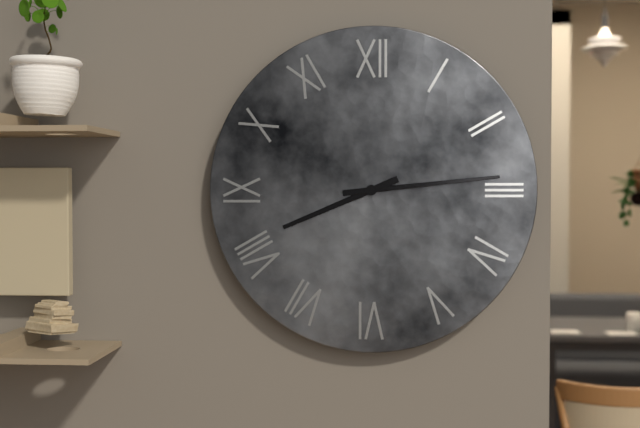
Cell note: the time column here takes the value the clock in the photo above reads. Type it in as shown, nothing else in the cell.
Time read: 8:14
